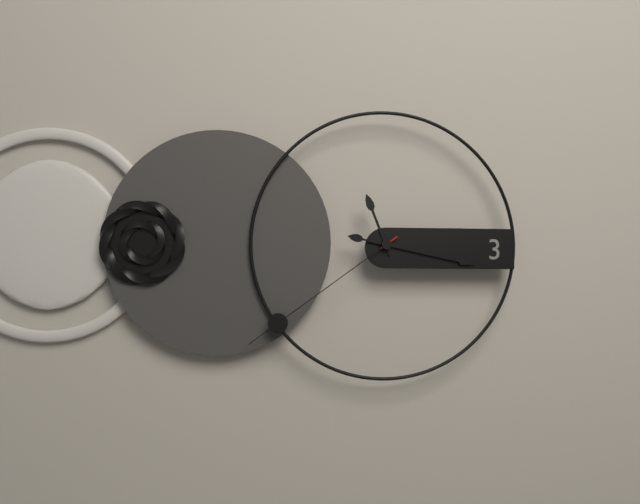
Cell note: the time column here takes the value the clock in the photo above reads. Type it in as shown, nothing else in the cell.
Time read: 11:17:39
